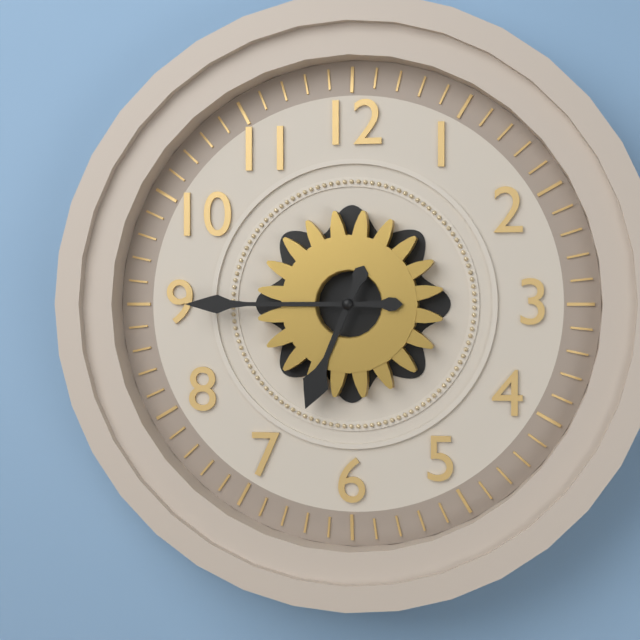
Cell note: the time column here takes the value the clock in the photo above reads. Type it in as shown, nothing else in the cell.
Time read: 6:45
